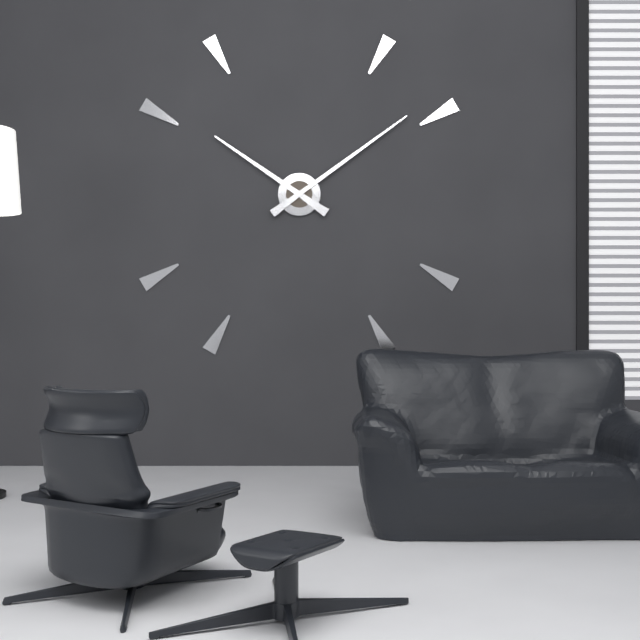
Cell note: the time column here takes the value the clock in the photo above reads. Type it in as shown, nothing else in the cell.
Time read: 10:09
